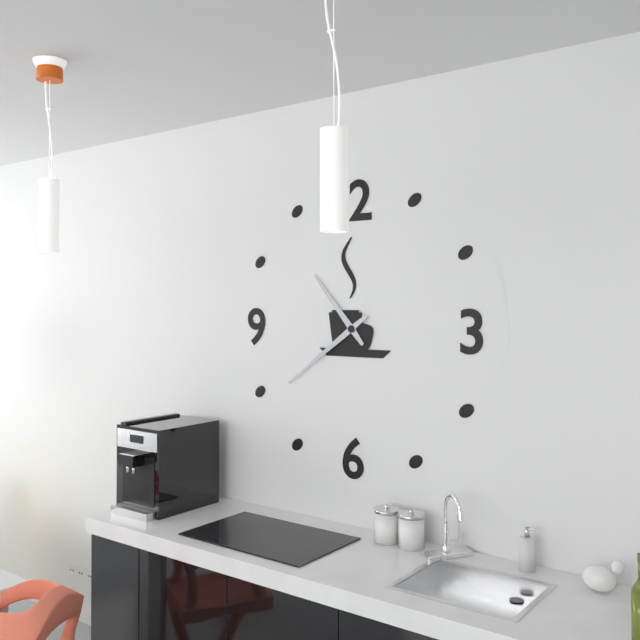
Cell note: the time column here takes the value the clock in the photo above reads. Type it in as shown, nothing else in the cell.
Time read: 10:39
